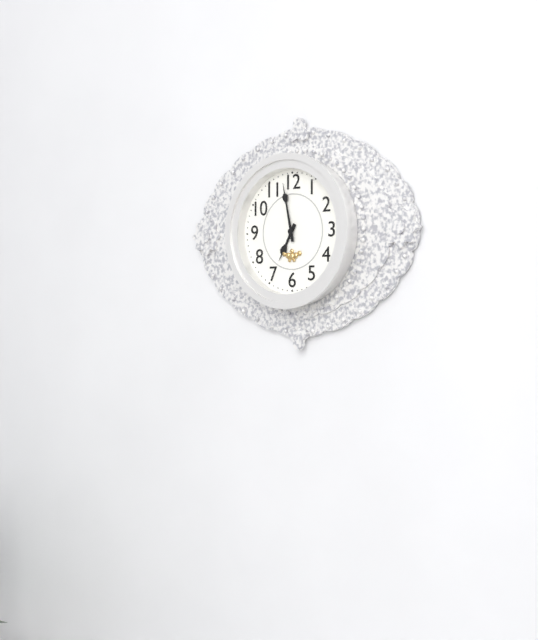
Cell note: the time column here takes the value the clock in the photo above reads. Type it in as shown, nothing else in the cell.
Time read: 6:58
